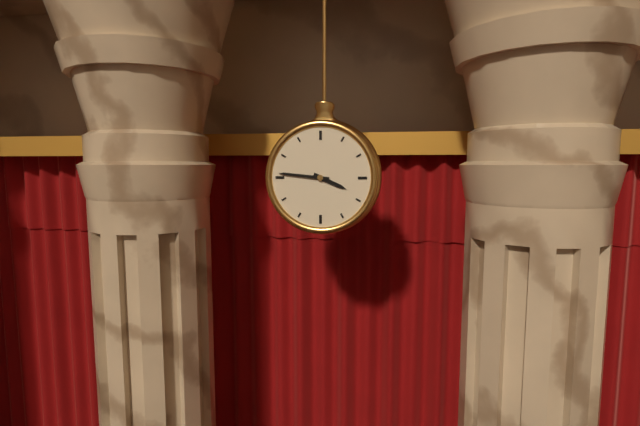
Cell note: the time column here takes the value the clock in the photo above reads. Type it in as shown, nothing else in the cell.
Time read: 3:46
